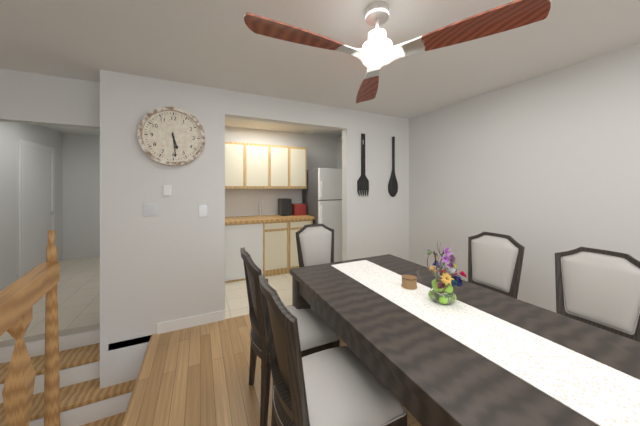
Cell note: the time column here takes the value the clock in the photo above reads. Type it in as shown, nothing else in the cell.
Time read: 5:29
